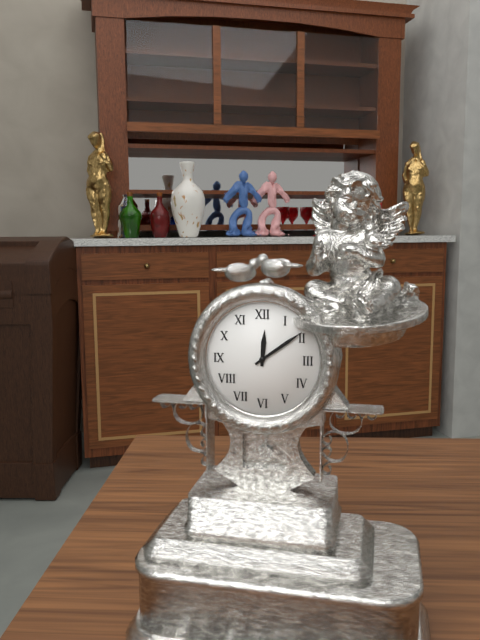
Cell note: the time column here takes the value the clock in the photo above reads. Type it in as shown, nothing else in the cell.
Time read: 12:09
